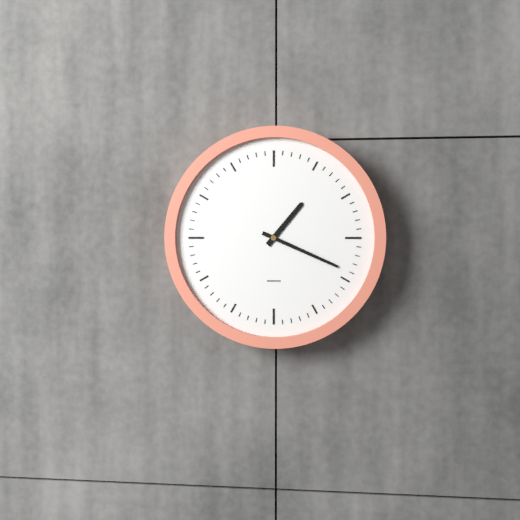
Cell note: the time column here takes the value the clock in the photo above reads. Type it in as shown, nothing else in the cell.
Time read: 1:19
